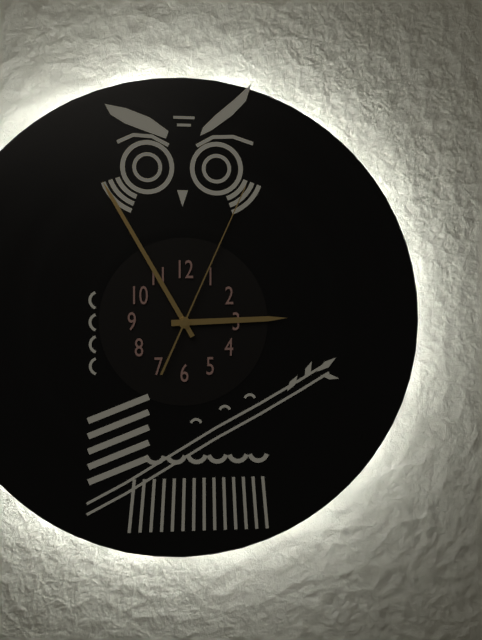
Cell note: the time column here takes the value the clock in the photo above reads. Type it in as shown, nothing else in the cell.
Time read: 2:55:04
